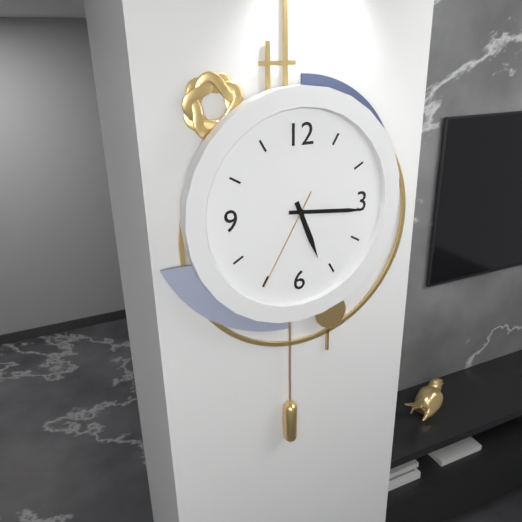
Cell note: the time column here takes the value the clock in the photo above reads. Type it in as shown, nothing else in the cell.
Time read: 5:16:35
